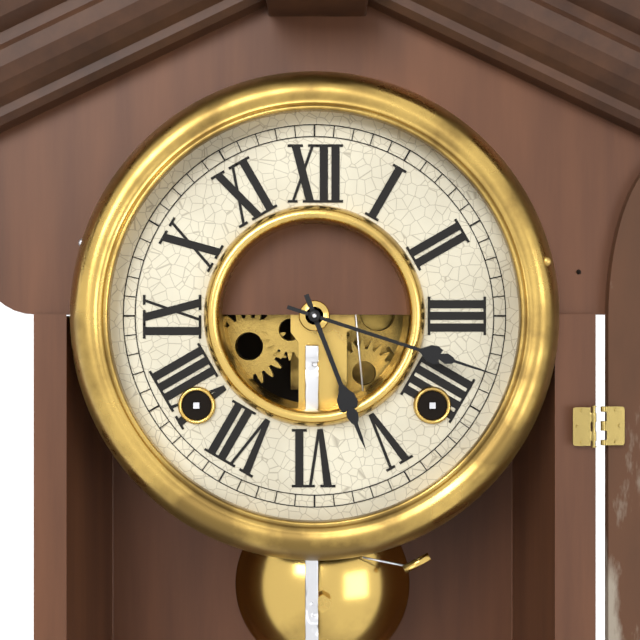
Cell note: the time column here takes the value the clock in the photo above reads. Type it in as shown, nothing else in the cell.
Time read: 5:18
